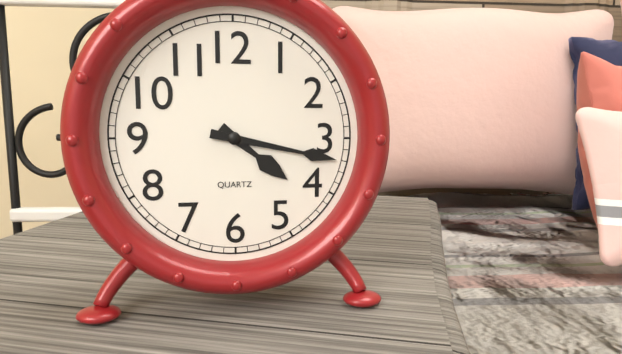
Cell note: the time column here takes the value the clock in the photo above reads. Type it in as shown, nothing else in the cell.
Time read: 4:17
